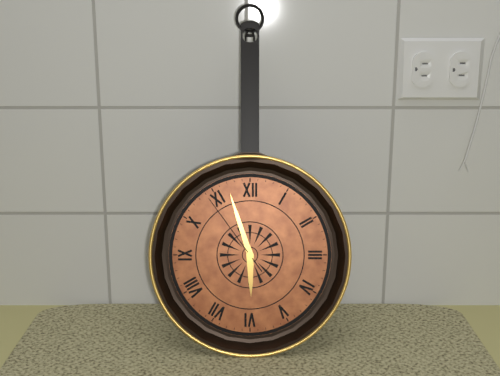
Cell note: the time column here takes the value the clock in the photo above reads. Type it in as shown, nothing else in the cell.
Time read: 5:57:54
